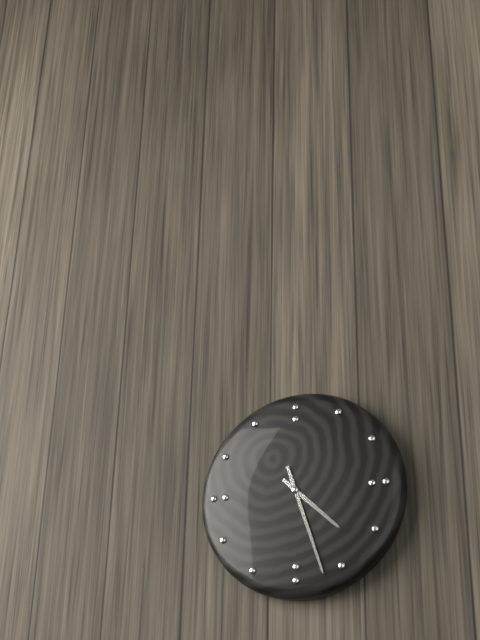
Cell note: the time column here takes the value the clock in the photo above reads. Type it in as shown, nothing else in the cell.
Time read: 4:27
